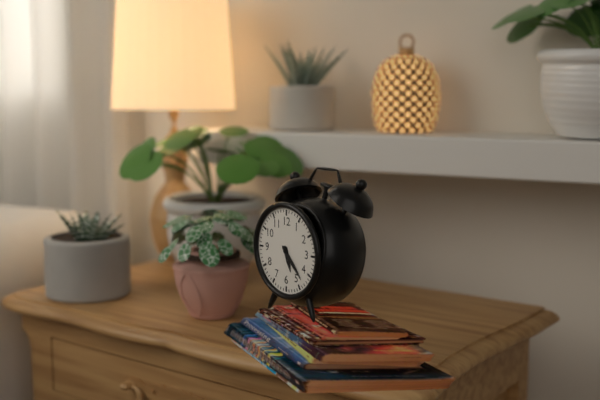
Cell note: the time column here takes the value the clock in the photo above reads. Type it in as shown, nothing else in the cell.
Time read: 5:23
